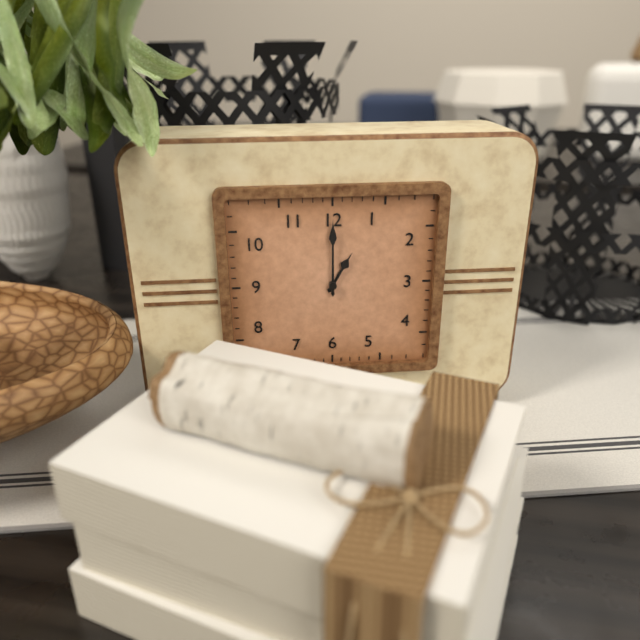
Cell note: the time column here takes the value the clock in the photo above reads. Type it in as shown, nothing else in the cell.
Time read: 1:00
